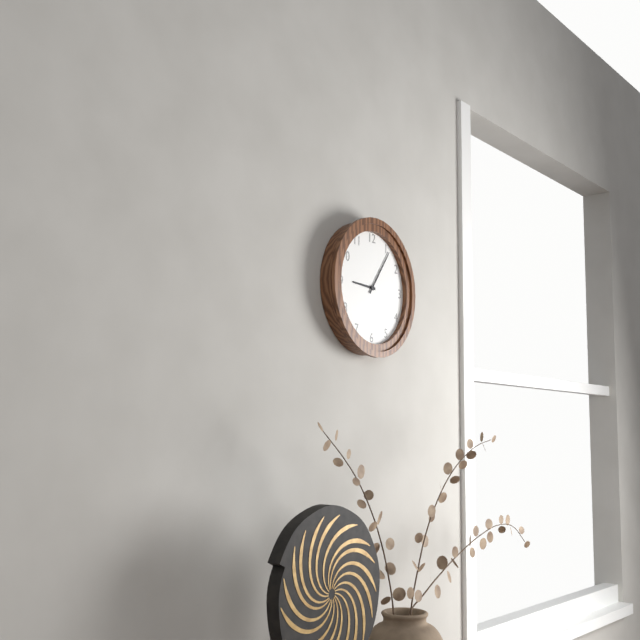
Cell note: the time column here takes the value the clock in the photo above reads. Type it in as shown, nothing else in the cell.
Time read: 9:06
